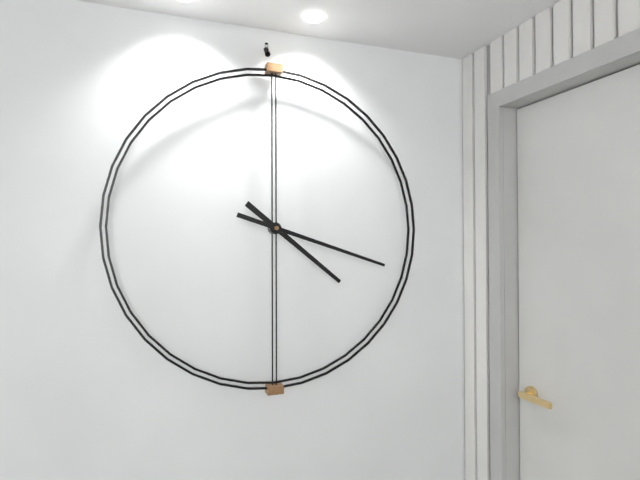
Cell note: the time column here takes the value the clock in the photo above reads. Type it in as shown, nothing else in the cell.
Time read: 4:18
